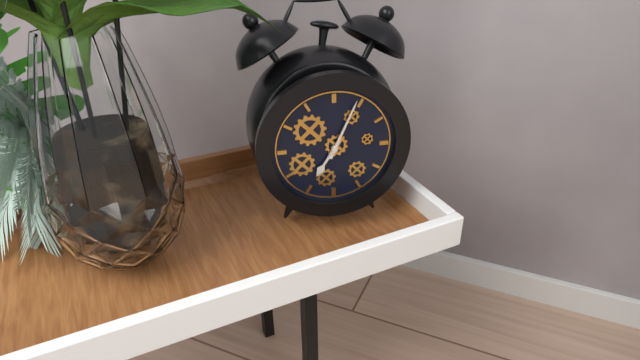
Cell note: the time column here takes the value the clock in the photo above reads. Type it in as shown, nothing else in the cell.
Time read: 7:04
